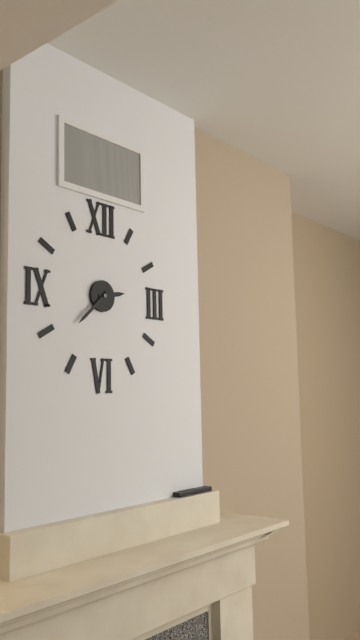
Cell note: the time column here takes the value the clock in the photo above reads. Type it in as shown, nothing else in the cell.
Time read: 2:38
